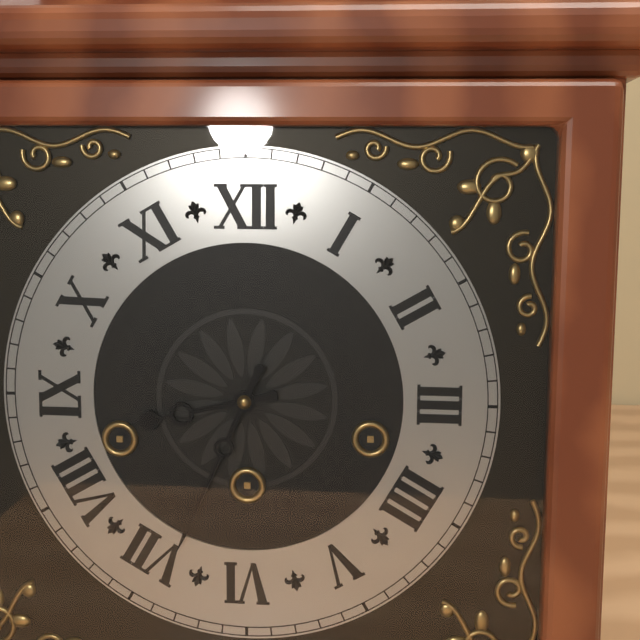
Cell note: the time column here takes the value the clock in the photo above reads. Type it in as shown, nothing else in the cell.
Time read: 8:34
